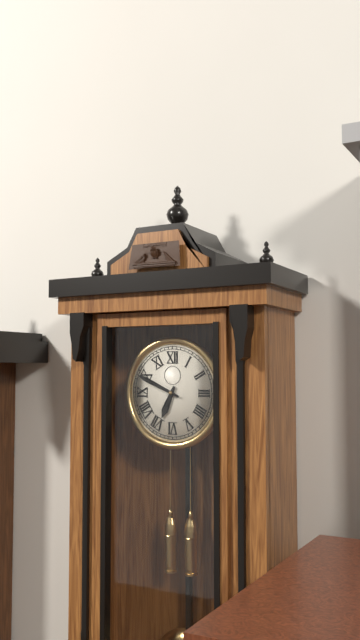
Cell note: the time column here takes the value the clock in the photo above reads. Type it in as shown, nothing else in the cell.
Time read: 6:49
